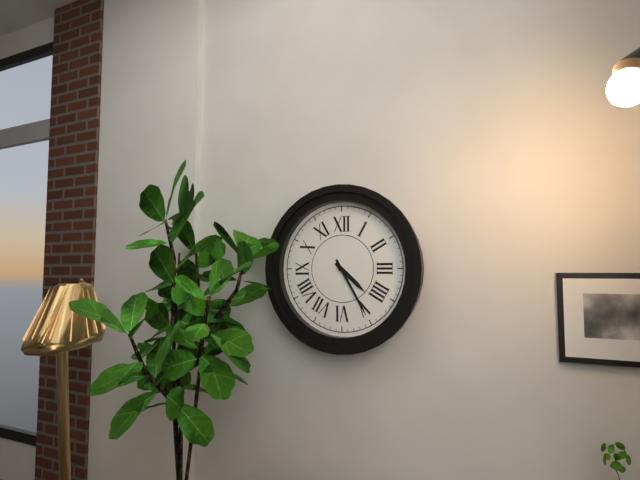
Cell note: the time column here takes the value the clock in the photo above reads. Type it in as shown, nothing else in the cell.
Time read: 4:25
